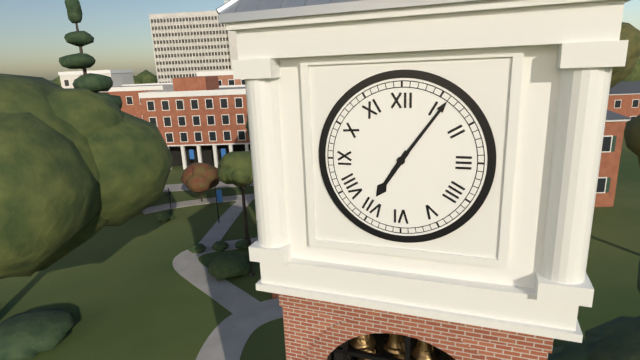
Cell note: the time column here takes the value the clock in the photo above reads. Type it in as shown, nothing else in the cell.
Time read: 7:06
